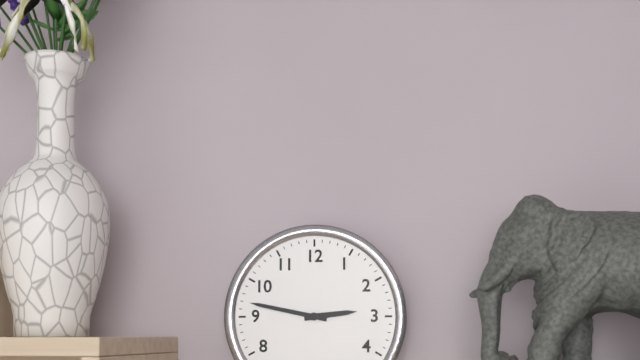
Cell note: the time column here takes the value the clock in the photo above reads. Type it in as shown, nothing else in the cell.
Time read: 2:47
